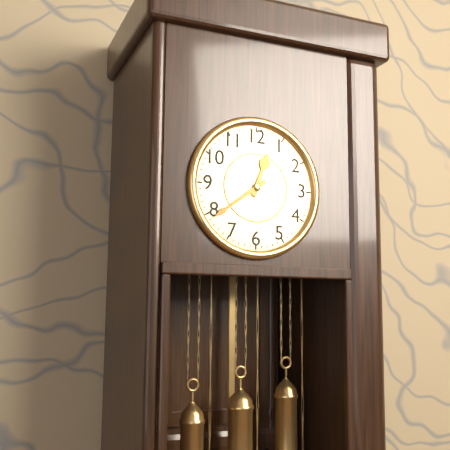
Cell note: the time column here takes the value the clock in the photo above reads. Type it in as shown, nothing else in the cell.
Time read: 12:39
